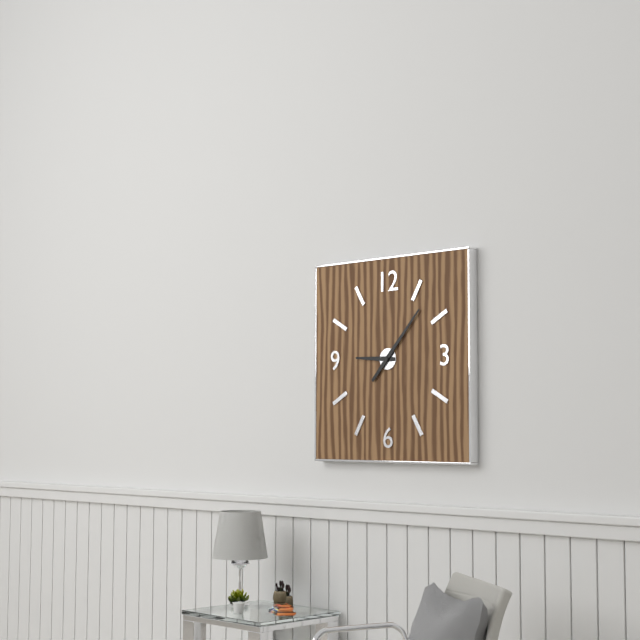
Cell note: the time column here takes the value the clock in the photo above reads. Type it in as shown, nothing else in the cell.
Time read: 9:07
